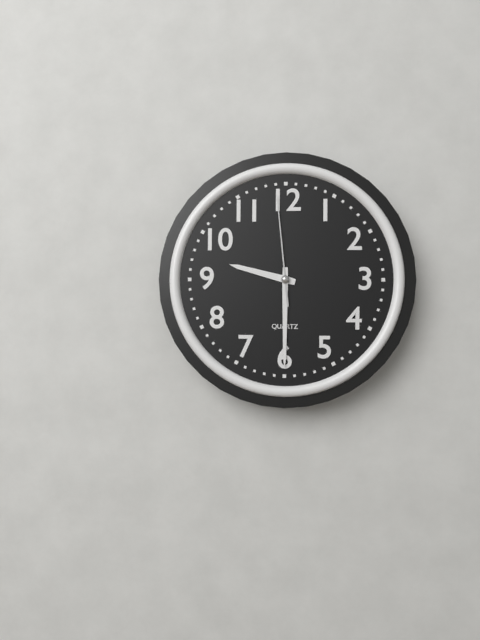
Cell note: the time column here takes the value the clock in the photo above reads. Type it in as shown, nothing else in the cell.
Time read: 9:30:59
